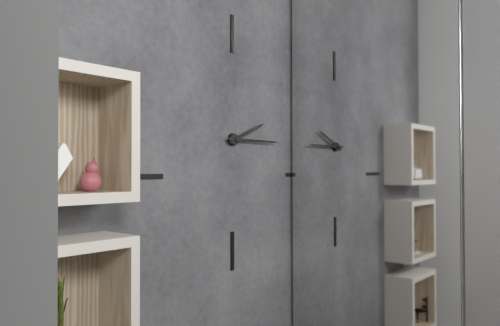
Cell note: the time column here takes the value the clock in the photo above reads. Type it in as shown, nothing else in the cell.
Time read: 2:15
